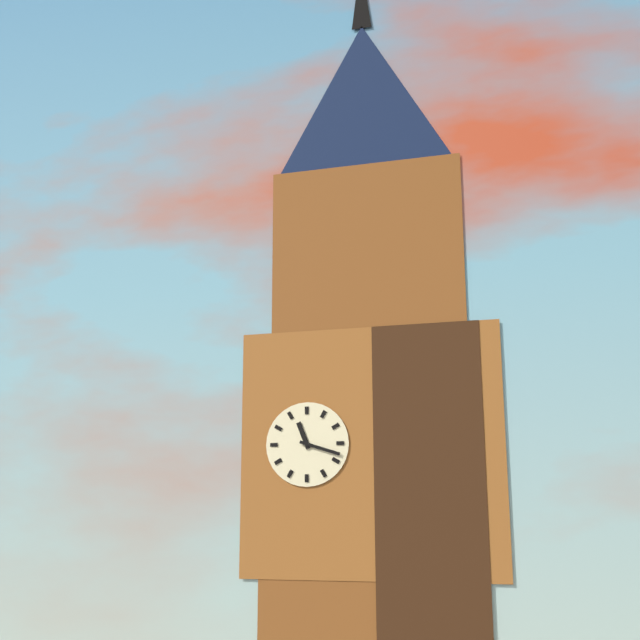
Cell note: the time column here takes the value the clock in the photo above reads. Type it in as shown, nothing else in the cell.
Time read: 11:18
